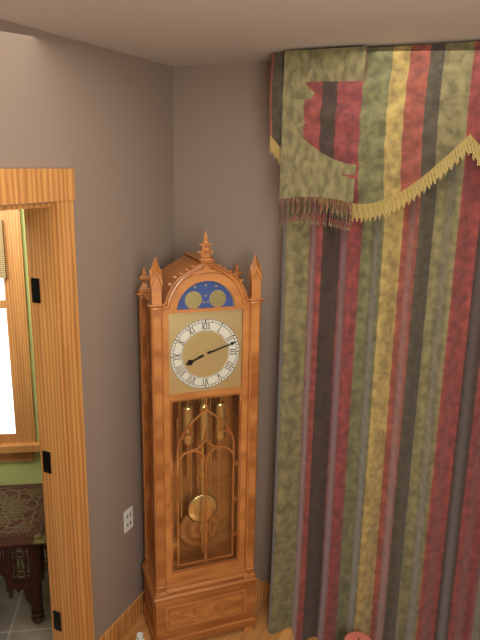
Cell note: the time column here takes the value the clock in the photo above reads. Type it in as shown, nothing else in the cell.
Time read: 8:12
